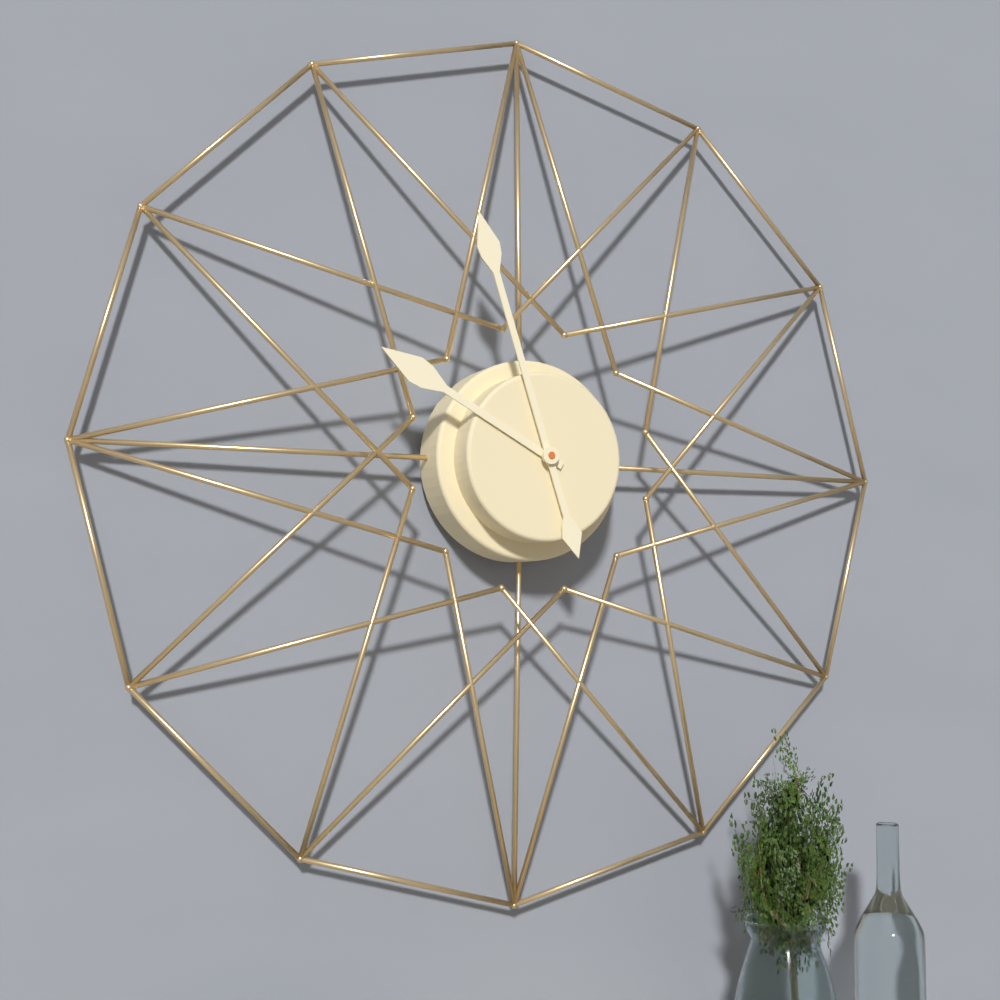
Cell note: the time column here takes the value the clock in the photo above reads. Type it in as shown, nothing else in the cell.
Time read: 9:57
